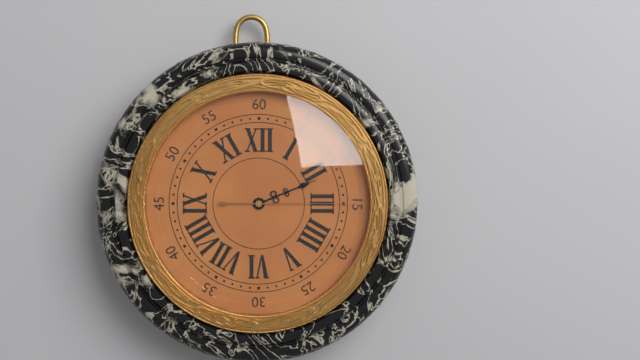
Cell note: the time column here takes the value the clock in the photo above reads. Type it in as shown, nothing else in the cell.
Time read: 2:15
